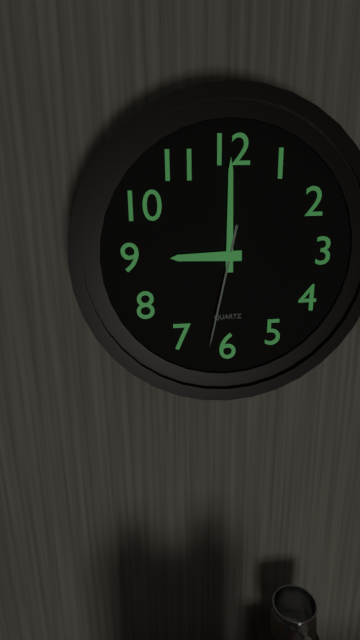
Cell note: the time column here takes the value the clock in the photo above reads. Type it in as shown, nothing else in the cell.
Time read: 9:00:32
